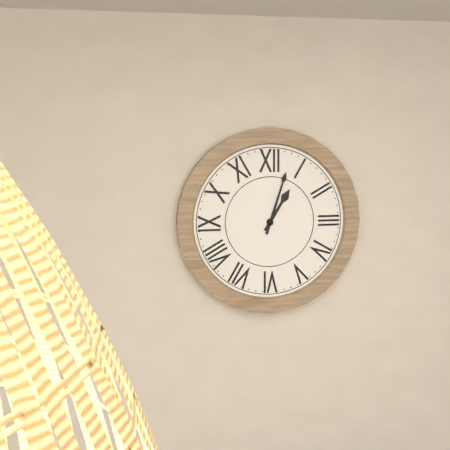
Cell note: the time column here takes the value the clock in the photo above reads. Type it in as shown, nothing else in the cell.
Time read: 1:03
